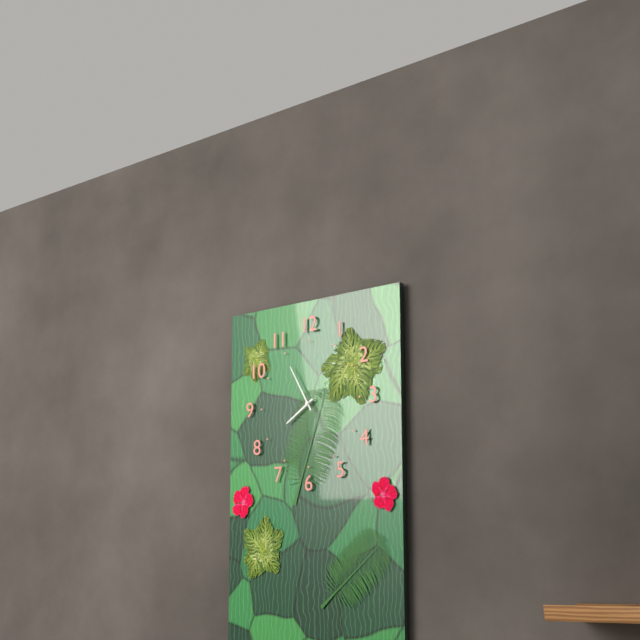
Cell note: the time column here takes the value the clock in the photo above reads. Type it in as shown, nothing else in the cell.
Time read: 7:55
